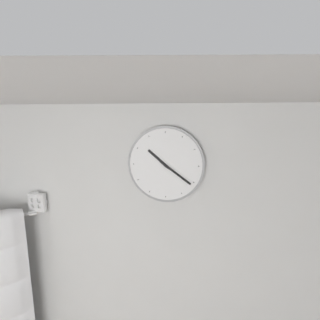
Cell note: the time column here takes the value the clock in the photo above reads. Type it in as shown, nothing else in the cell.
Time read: 10:21
